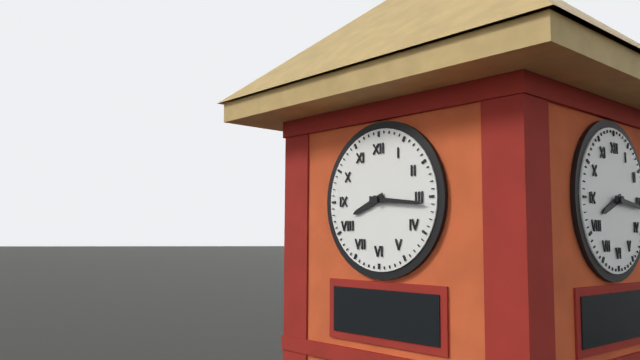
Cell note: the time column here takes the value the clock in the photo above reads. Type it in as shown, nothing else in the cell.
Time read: 8:16
